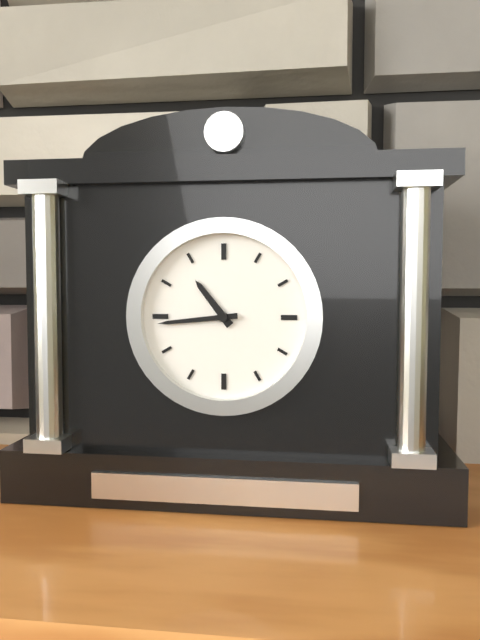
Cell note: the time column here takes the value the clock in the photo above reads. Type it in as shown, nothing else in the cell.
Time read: 10:44
